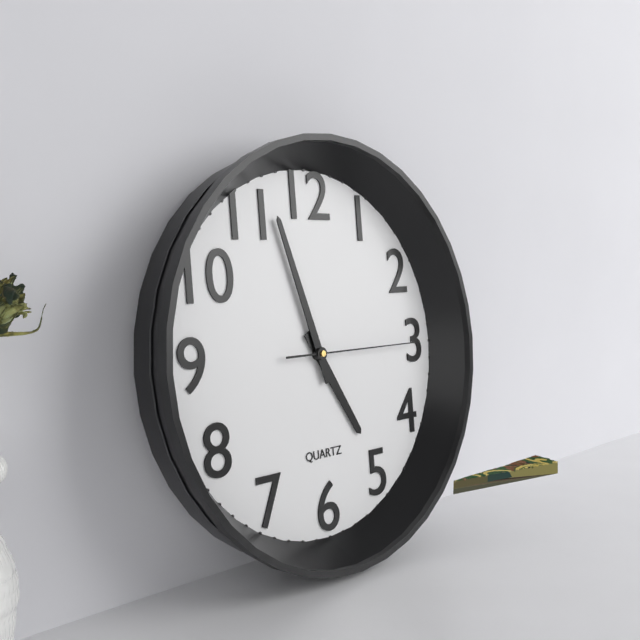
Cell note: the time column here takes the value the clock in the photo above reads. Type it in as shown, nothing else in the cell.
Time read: 4:57:15
